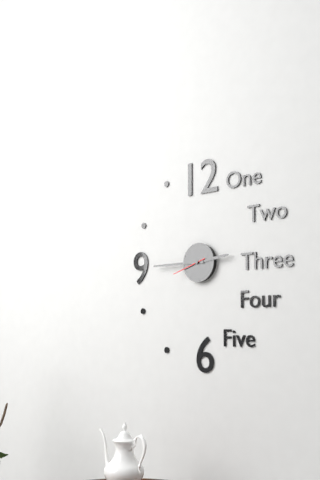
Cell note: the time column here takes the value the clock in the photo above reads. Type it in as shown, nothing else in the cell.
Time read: 2:45
